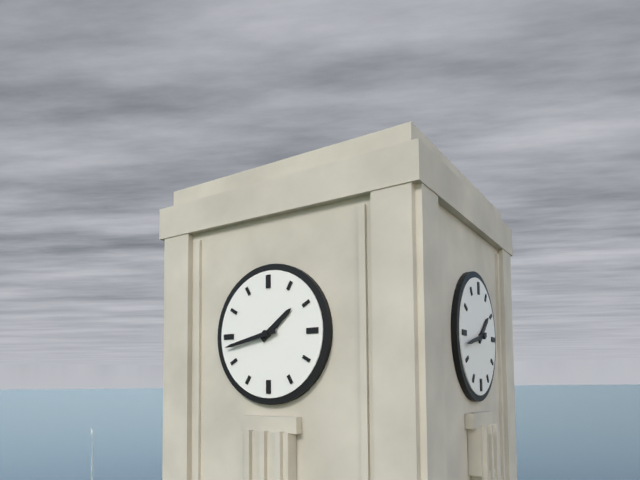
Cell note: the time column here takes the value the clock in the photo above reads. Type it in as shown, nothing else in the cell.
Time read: 1:43
